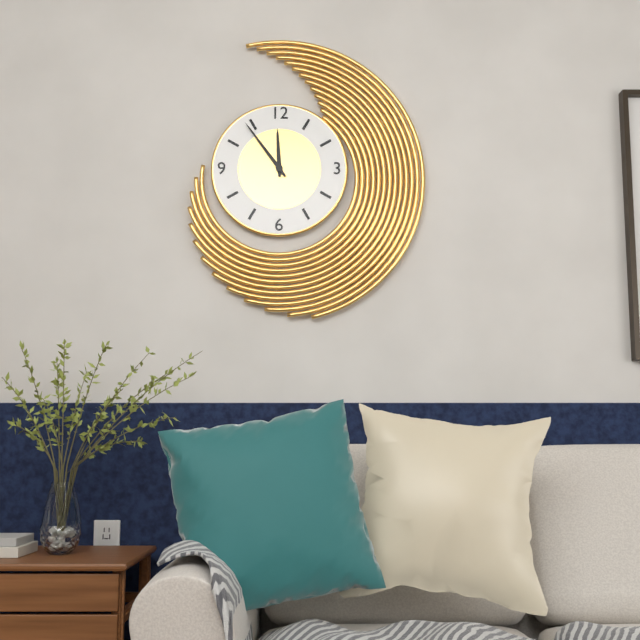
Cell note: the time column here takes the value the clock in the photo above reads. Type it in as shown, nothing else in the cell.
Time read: 11:54
